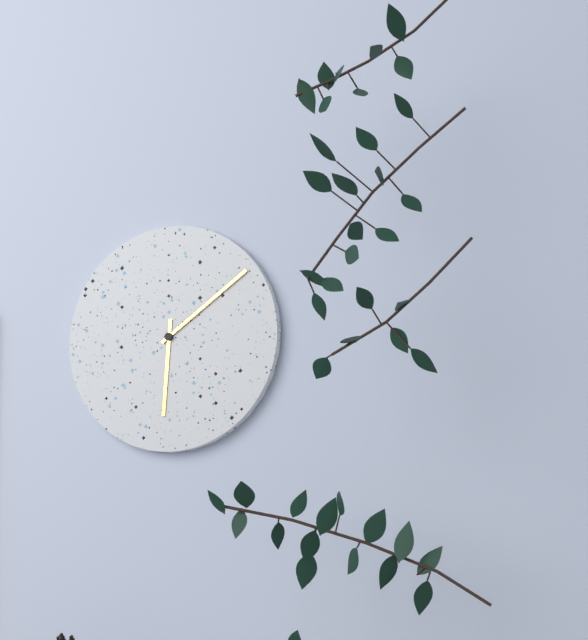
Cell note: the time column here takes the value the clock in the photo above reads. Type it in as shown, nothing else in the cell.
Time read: 6:09
